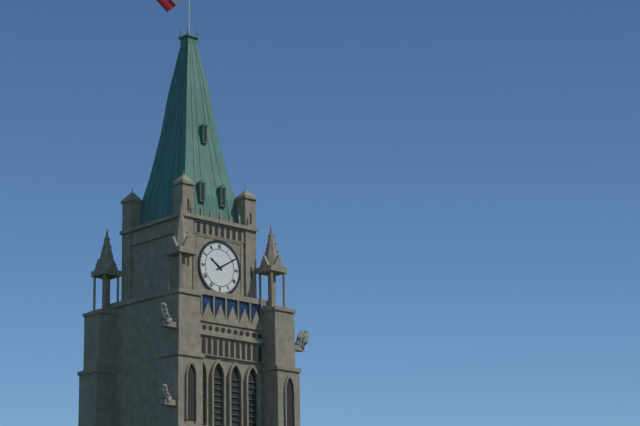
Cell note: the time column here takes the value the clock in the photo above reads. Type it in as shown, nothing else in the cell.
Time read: 10:10
